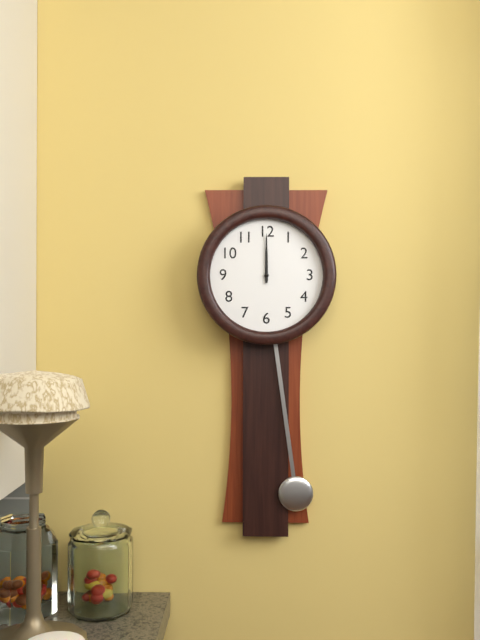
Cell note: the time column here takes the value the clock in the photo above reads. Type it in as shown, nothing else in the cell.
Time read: 12:00
